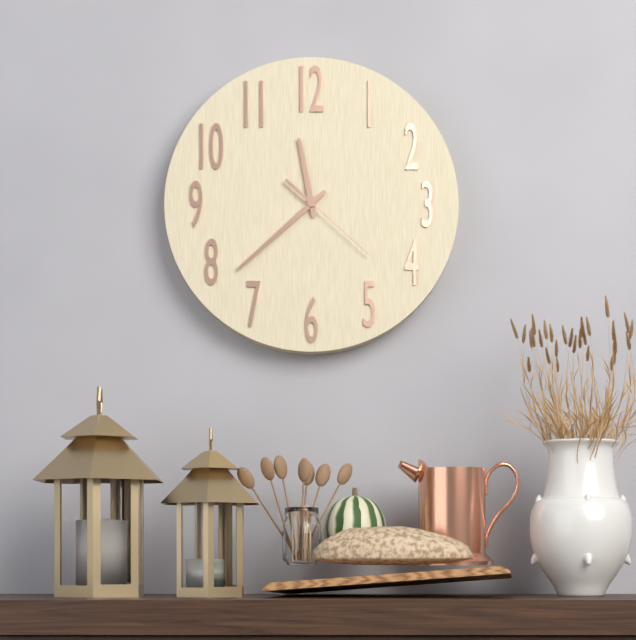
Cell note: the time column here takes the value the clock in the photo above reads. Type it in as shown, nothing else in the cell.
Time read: 11:38:22
